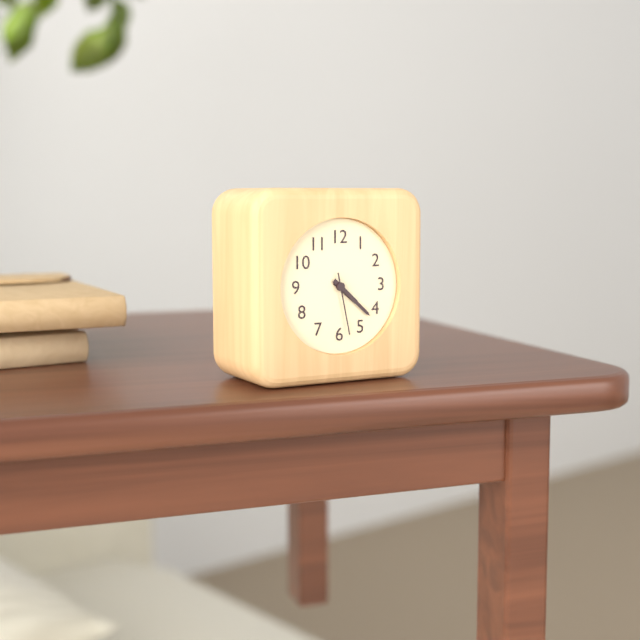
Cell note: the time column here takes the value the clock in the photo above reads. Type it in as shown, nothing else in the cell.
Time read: 4:22:28
